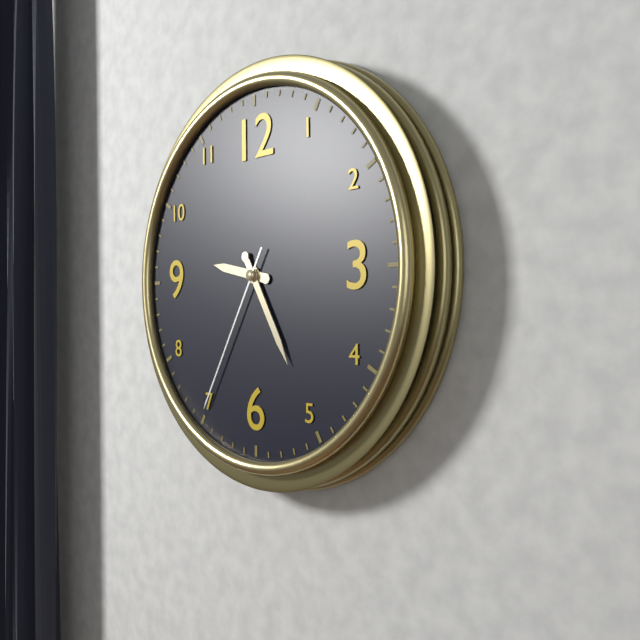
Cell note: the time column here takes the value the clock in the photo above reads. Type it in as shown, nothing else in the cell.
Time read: 9:25:35
